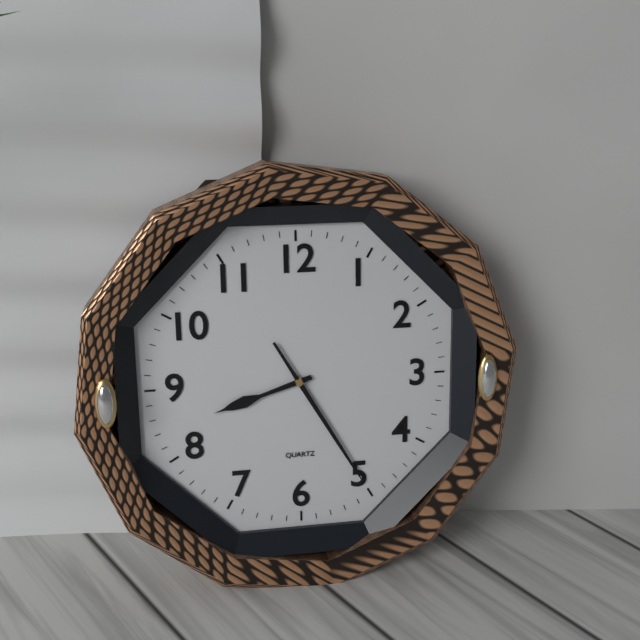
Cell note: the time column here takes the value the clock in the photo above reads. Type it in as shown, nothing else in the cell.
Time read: 8:25
